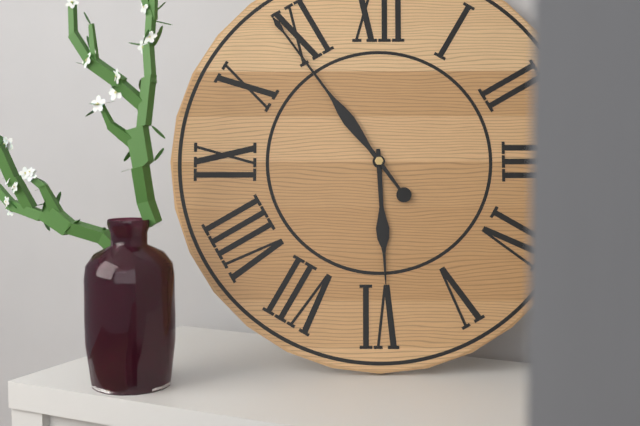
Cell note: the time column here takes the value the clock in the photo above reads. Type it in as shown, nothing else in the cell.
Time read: 5:54
